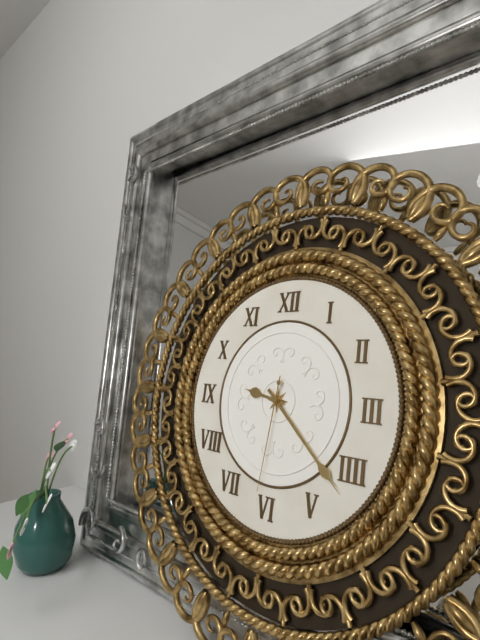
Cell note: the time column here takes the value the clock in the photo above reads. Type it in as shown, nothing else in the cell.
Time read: 9:22:31
